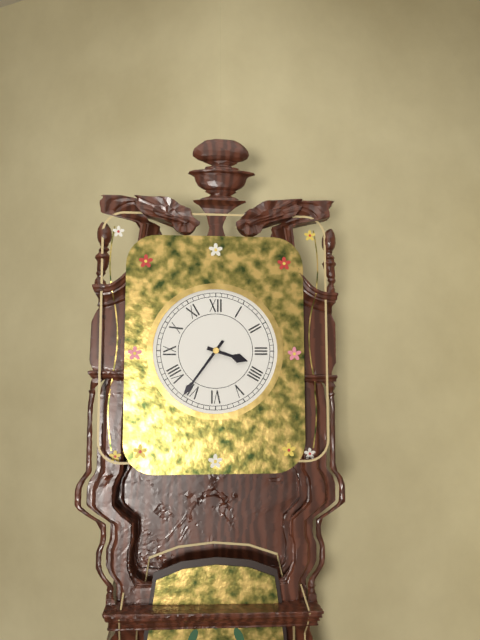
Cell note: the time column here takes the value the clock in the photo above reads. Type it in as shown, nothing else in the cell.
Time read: 3:36
